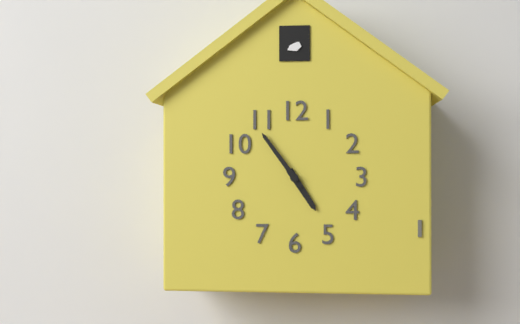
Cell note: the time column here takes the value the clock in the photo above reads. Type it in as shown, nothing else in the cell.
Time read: 4:54
